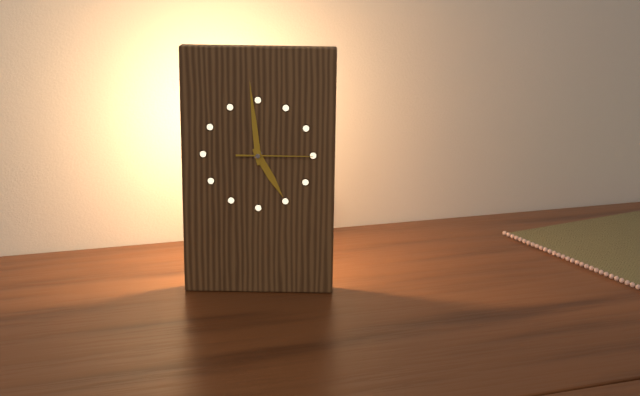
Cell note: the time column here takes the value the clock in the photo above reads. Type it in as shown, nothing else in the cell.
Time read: 4:59:15
